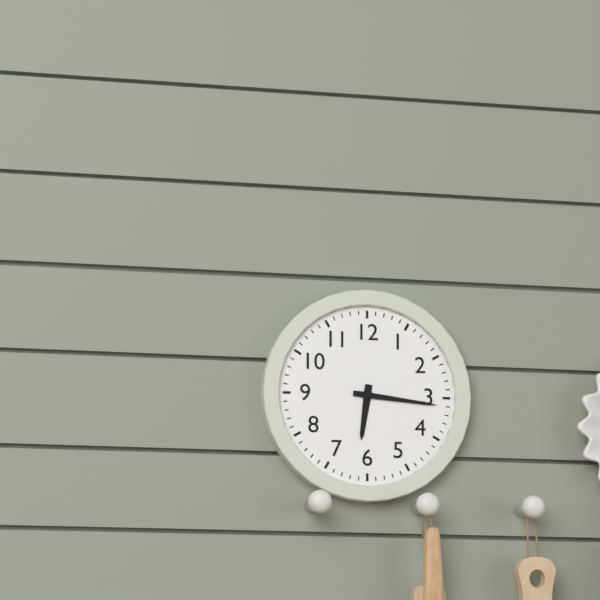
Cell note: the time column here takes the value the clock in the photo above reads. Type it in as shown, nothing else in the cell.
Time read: 6:16
